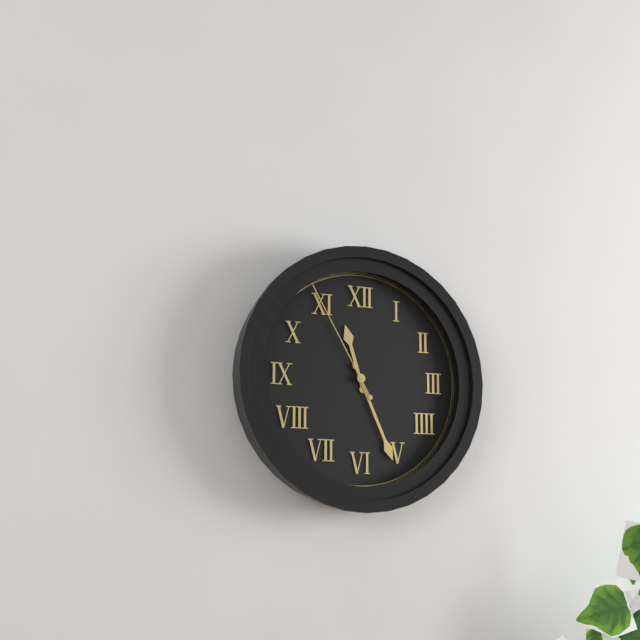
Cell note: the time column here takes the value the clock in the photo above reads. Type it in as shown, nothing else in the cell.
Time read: 11:26:55
